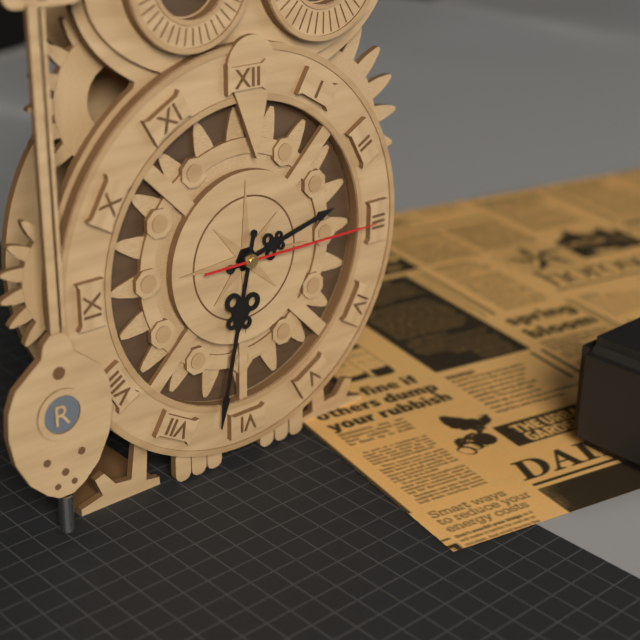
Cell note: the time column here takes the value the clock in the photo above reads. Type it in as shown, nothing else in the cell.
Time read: 2:32:15
